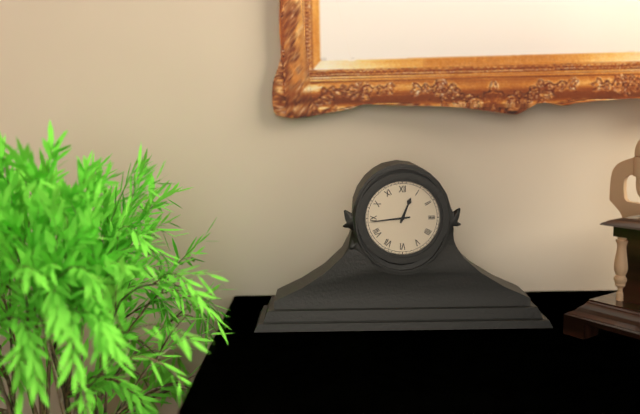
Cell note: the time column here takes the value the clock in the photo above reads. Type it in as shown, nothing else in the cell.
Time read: 12:44
